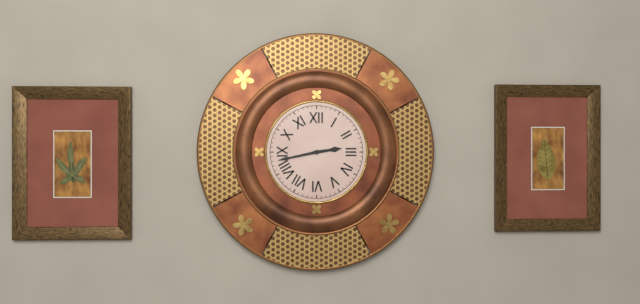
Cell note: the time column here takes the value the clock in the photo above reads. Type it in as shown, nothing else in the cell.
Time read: 2:43
